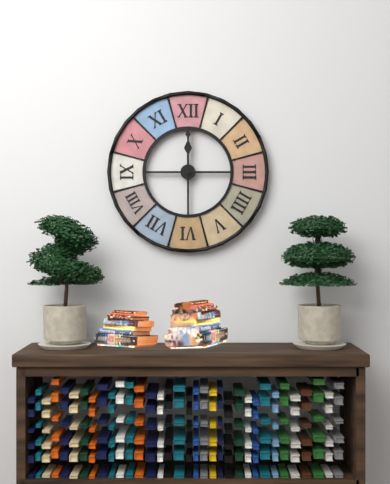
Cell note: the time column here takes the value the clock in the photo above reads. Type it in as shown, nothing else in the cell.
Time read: 12:00
